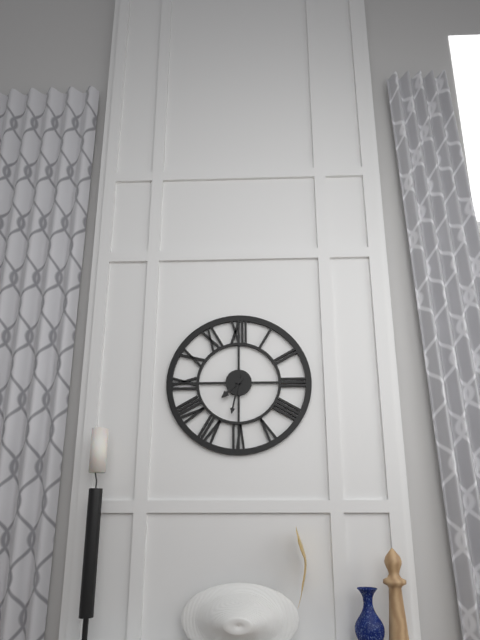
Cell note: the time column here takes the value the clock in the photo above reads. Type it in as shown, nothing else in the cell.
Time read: 7:32
